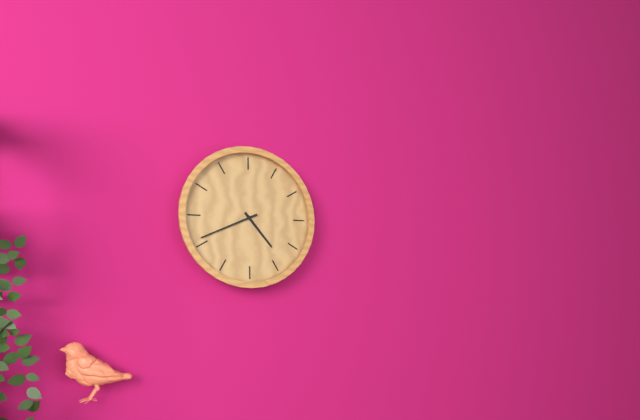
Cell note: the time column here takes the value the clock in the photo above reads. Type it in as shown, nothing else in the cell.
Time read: 4:41
